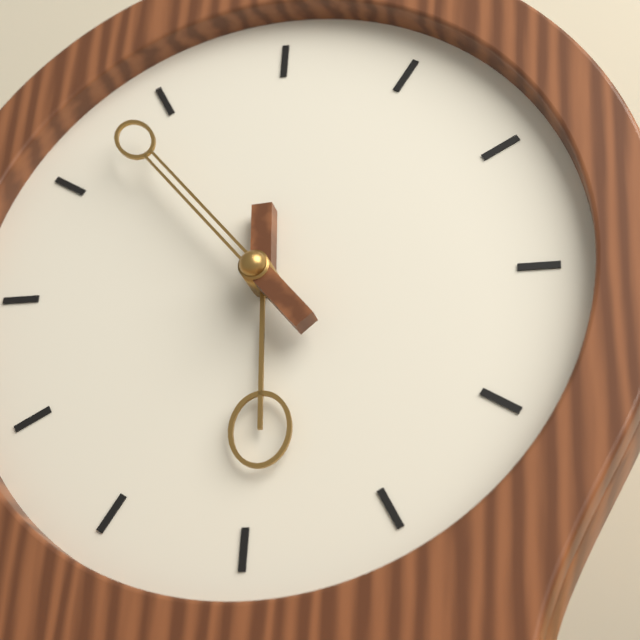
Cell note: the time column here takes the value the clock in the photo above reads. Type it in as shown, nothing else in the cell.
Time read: 5:53
